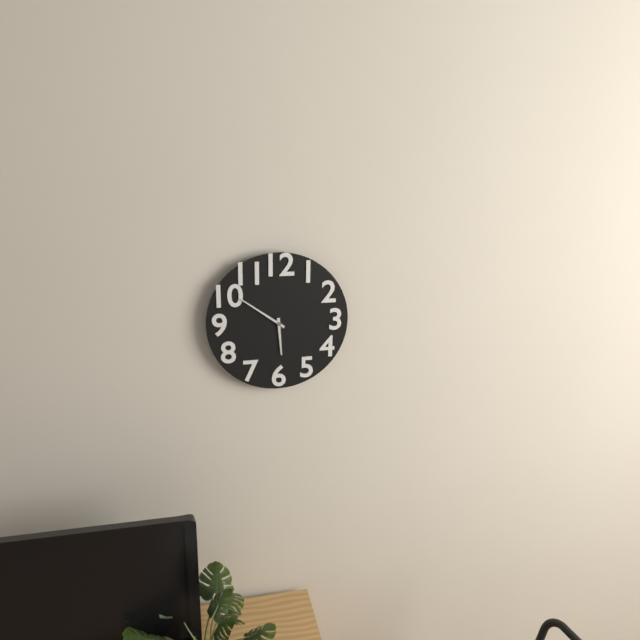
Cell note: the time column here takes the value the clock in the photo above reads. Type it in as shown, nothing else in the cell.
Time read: 5:51
